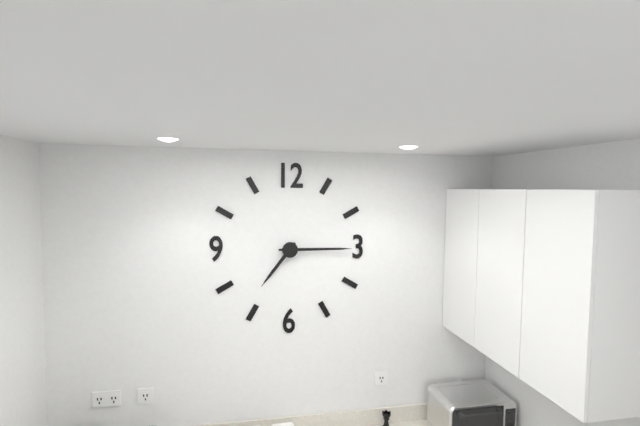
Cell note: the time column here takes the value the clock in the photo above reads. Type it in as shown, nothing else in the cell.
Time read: 7:15
